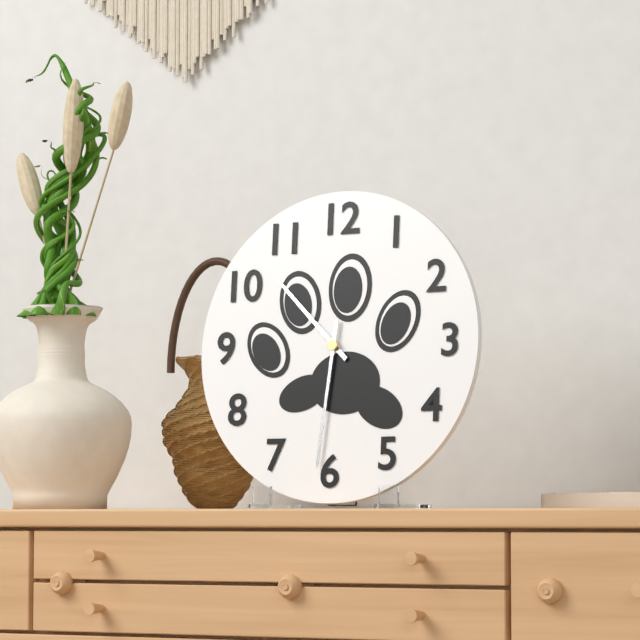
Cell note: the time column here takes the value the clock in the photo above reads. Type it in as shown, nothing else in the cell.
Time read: 10:31
